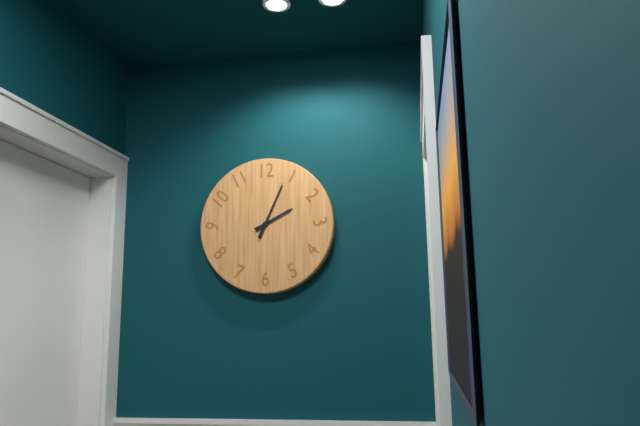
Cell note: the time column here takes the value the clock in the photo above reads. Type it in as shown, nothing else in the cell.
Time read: 2:04
